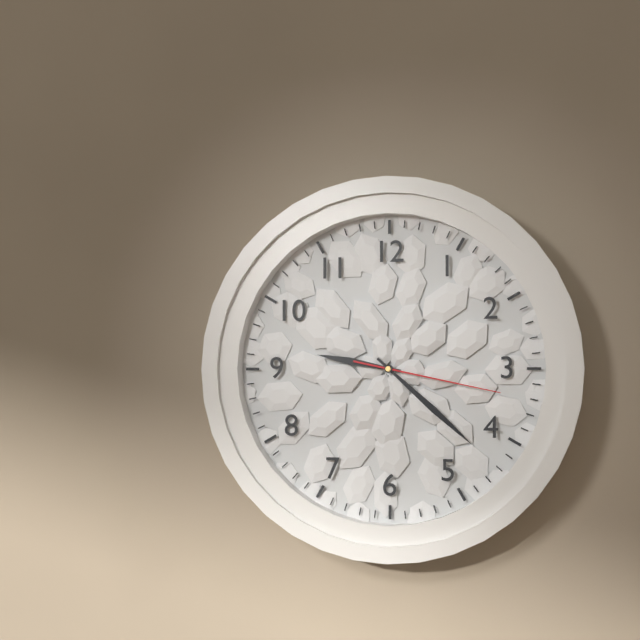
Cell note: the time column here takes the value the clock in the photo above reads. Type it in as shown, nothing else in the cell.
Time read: 9:22:17
